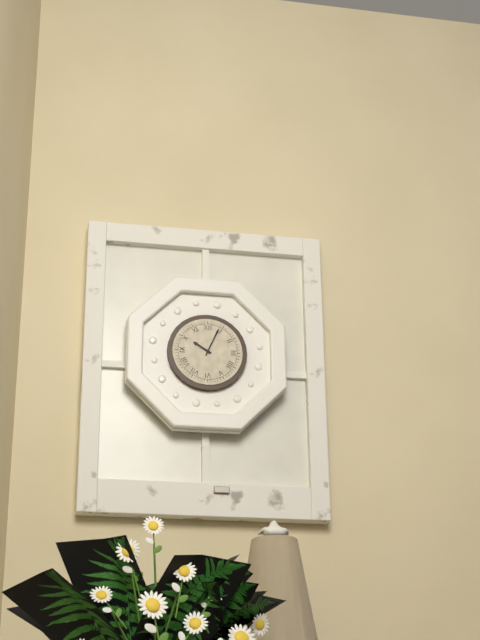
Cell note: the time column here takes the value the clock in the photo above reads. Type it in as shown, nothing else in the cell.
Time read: 10:04
